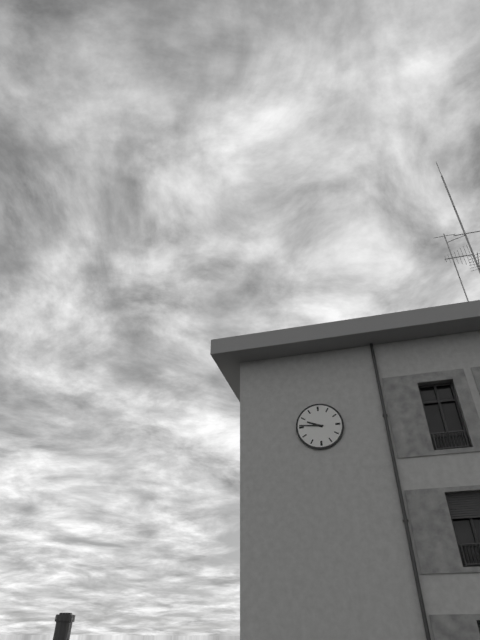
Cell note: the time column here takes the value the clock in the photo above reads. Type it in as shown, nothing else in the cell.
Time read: 9:46
